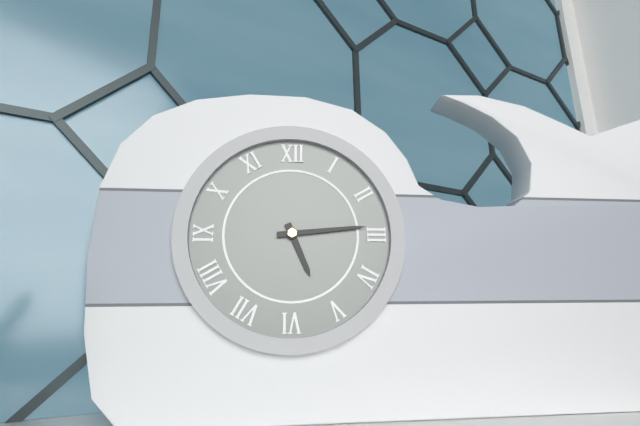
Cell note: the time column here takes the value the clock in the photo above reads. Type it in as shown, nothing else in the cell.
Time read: 5:14
